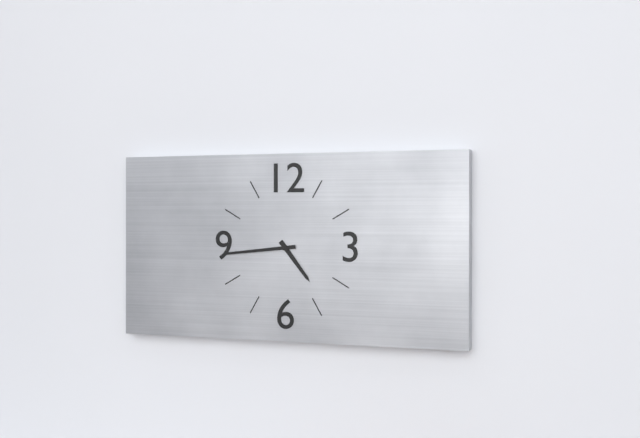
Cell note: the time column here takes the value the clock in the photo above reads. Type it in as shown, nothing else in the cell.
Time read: 4:44
